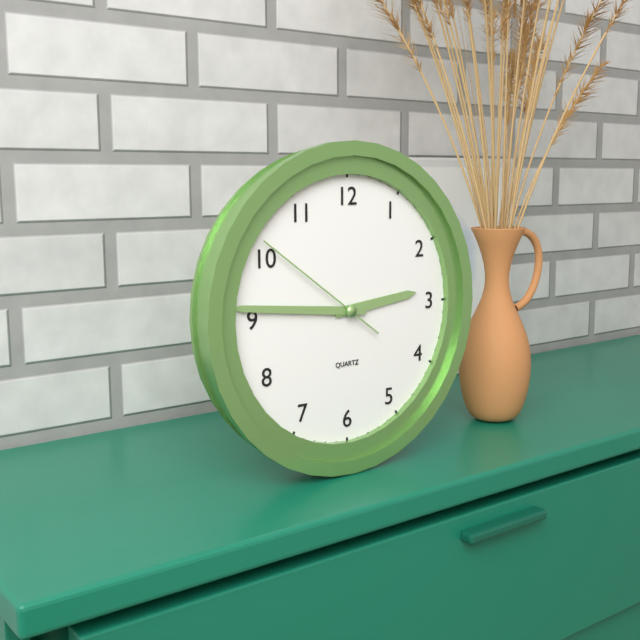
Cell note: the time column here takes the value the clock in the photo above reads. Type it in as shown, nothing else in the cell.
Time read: 2:46:51
